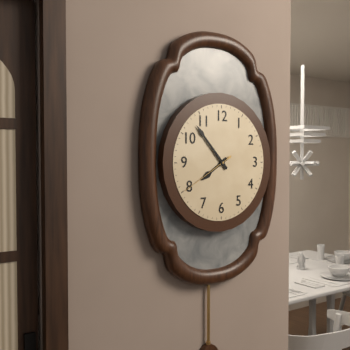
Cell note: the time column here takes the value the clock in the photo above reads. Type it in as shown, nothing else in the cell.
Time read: 7:53:40
